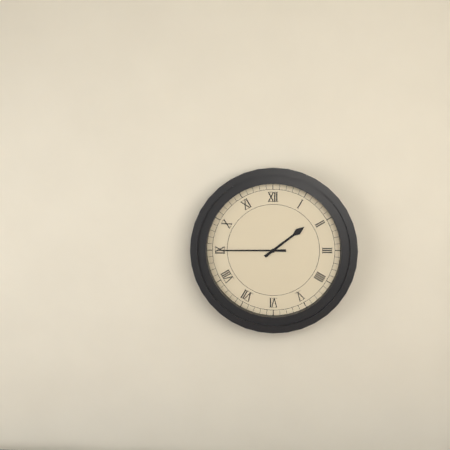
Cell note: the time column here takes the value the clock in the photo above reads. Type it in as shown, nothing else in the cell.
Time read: 1:45
